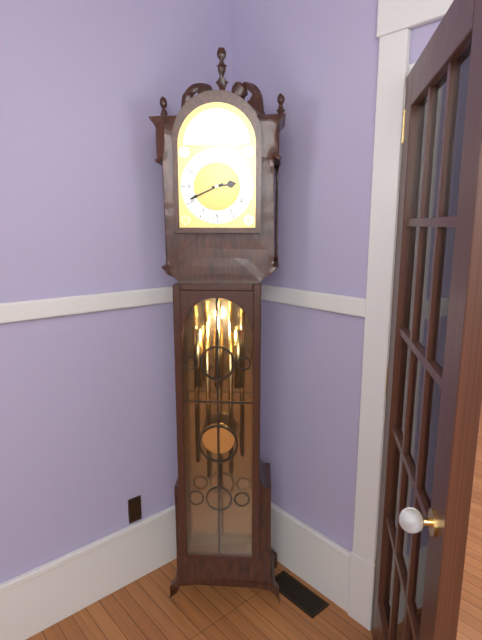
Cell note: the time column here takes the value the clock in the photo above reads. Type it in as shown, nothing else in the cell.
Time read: 2:41
